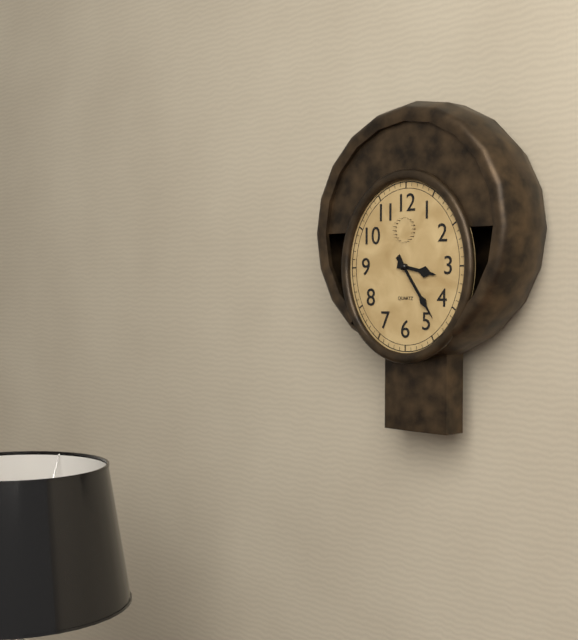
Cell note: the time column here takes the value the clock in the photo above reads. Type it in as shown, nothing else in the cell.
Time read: 3:24
